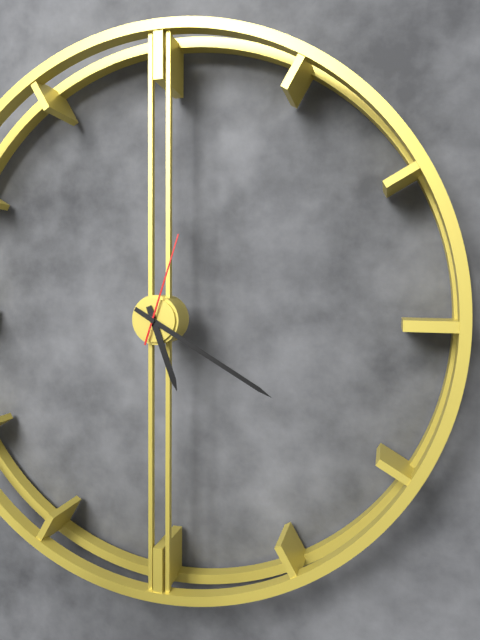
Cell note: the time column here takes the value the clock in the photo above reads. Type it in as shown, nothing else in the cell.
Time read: 5:20:03
